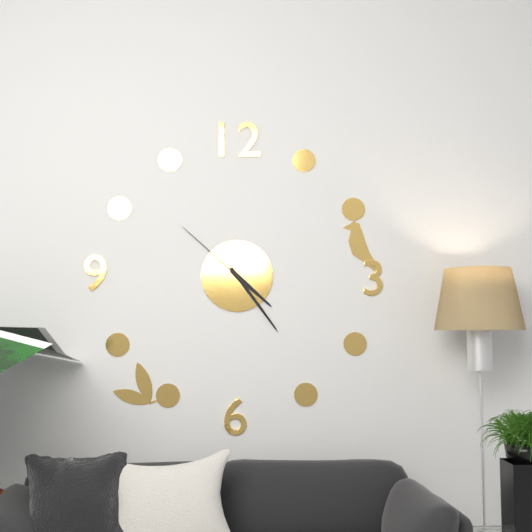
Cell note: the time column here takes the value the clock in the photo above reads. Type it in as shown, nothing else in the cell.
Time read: 4:24:52
